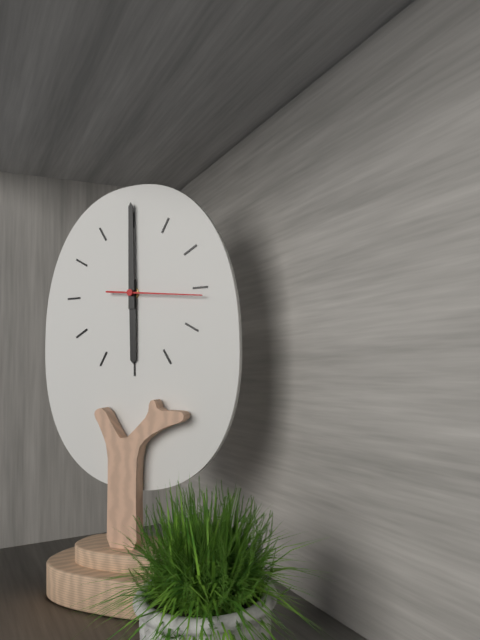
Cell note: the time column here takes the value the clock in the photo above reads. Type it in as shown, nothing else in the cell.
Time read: 6:00:16
